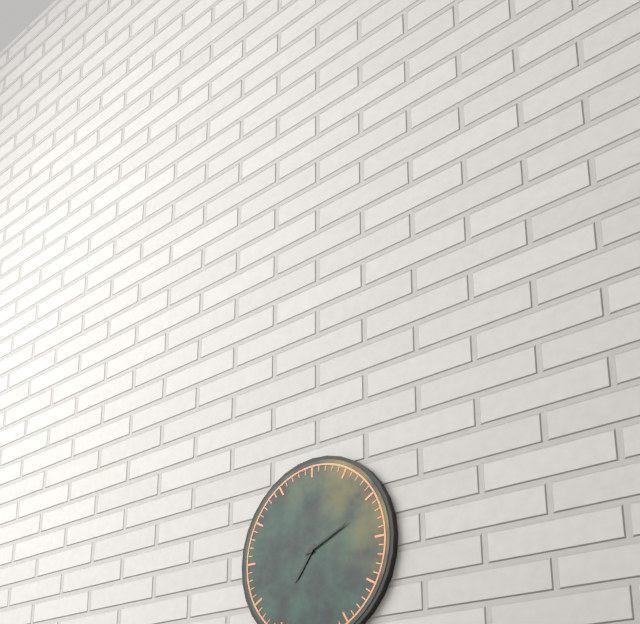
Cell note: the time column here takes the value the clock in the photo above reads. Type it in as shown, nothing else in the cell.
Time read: 7:11
